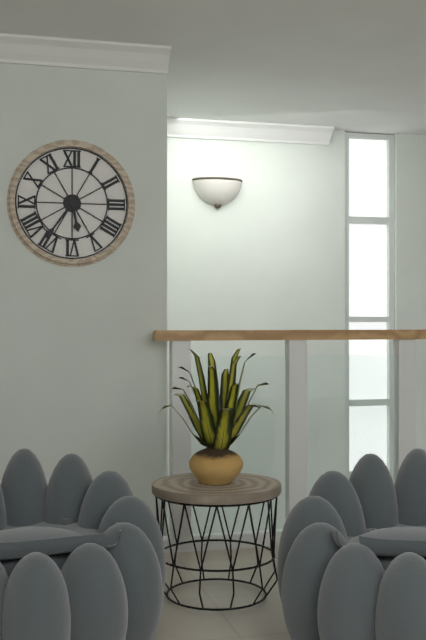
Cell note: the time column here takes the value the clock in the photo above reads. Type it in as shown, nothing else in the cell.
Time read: 5:36
